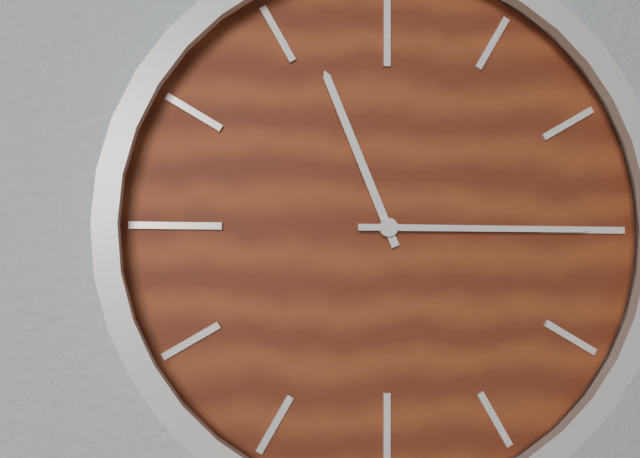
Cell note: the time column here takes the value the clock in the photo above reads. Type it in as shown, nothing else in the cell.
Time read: 11:15
